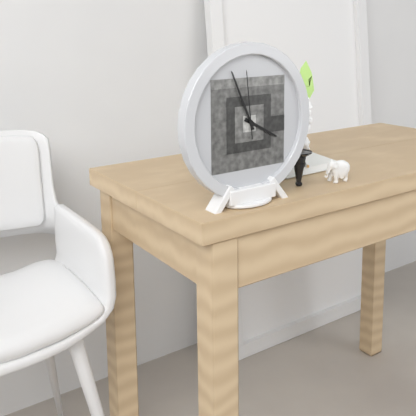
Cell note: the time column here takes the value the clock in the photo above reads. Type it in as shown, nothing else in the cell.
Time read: 3:56:59
